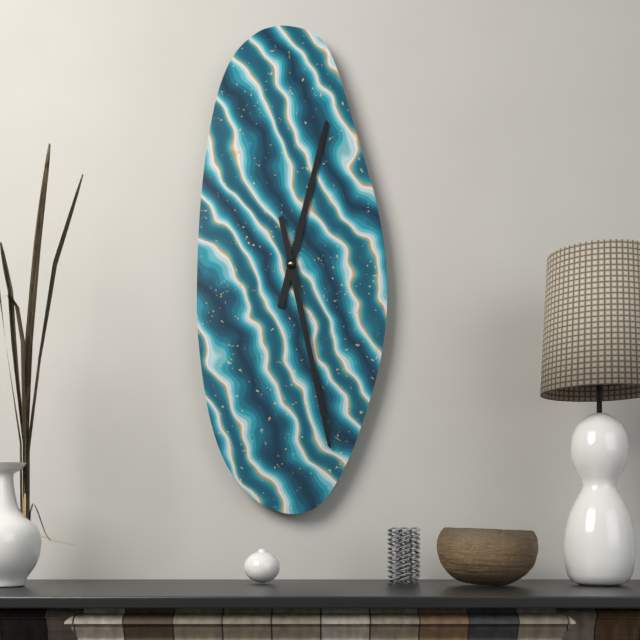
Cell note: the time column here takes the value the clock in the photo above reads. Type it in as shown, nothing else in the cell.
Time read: 12:28
